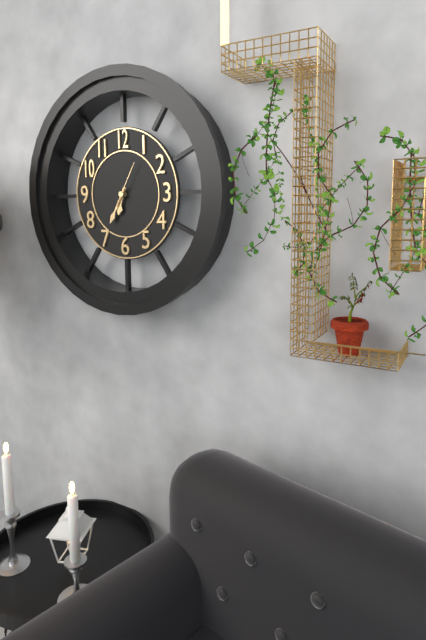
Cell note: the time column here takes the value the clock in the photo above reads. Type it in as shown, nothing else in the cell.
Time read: 6:35
